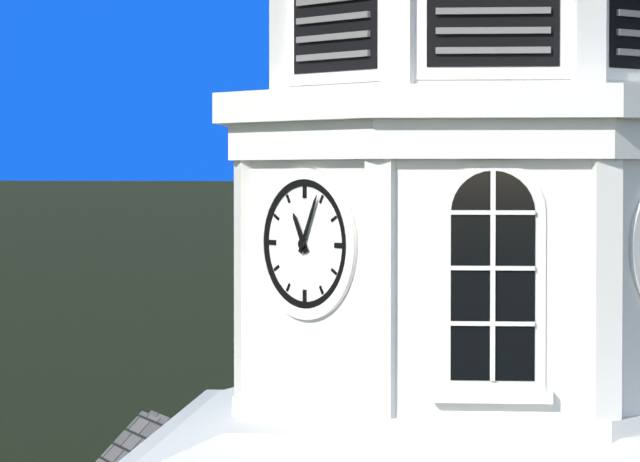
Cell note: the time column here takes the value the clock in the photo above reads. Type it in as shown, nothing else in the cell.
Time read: 11:04
